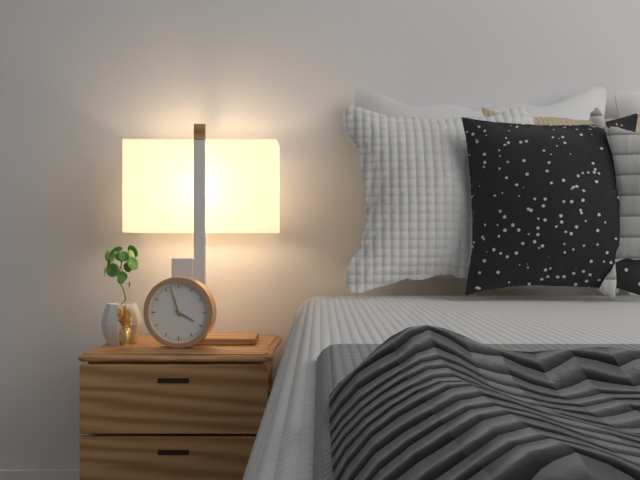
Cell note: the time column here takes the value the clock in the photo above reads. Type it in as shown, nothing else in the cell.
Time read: 3:57
